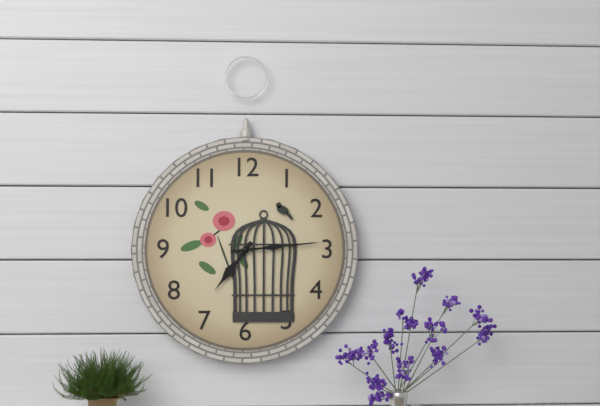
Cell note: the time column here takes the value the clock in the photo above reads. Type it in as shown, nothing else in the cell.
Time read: 7:14
